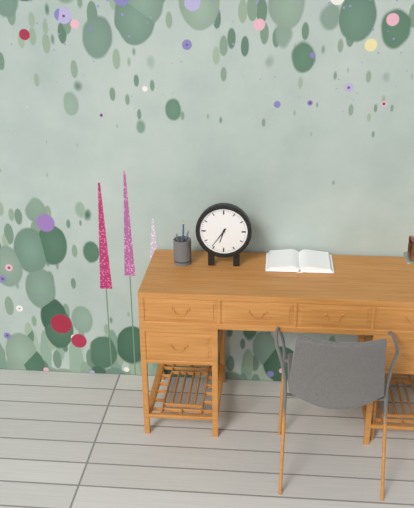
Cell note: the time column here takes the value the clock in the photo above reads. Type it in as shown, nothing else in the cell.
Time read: 6:36
